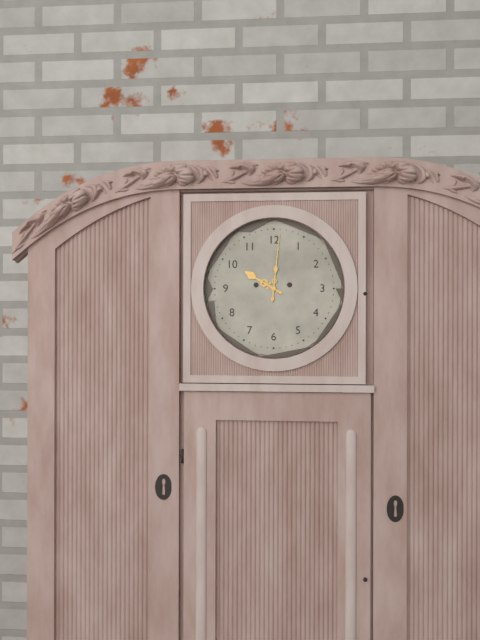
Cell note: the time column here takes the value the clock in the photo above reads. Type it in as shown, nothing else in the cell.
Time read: 10:01
